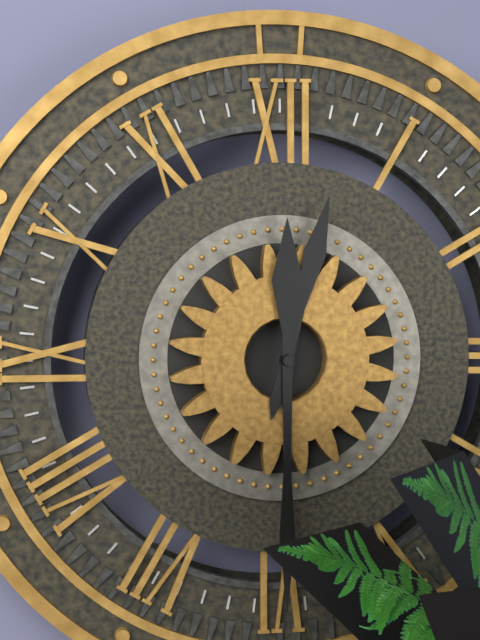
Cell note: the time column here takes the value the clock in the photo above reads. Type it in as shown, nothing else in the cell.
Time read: 12:30
